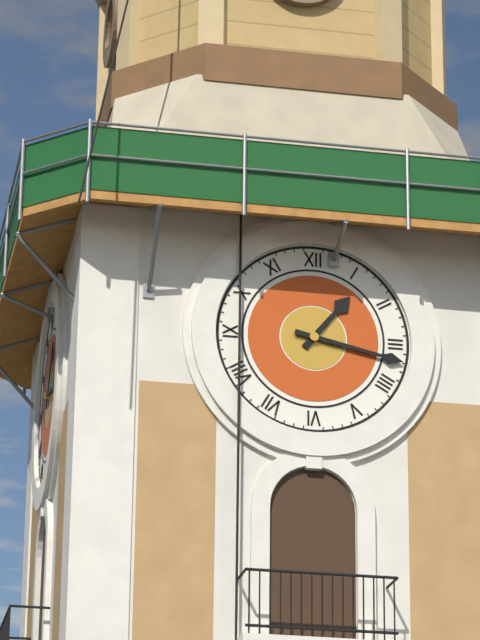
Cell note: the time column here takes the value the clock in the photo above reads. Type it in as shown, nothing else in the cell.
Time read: 1:17
